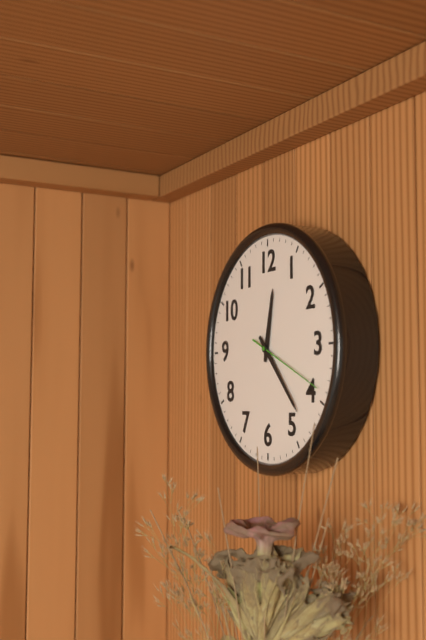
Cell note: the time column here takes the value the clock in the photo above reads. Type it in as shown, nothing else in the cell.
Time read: 12:23:19
